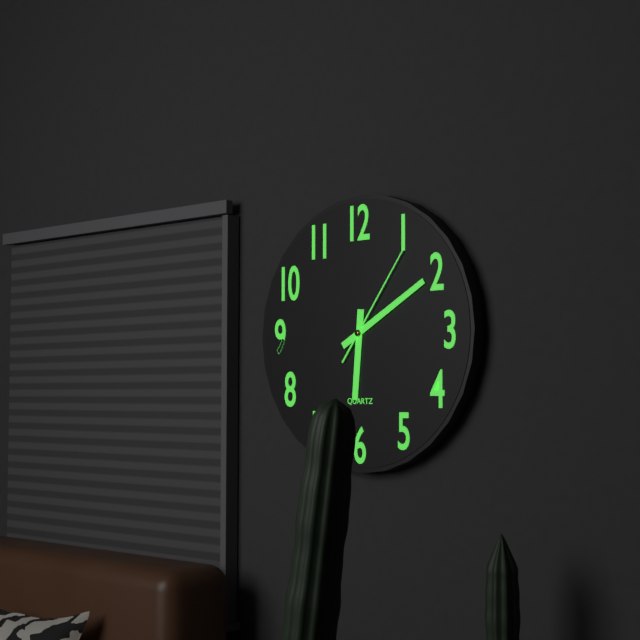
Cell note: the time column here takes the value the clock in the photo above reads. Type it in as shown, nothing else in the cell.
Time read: 6:10:06
